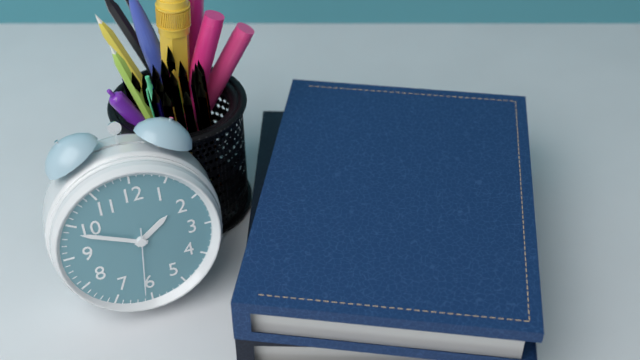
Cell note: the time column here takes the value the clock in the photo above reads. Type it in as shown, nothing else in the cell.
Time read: 1:49:31
